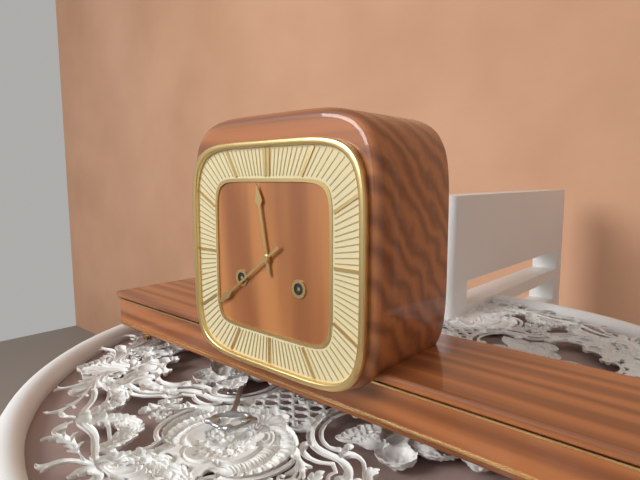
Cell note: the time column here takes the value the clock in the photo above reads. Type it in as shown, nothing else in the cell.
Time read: 11:39
